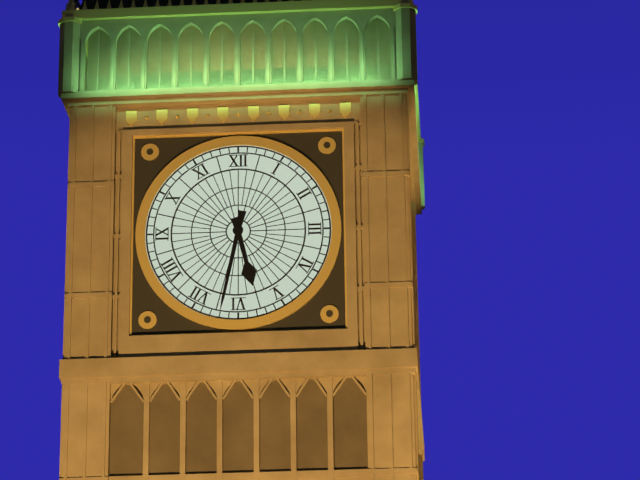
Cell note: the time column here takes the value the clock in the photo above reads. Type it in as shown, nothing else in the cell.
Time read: 5:32
